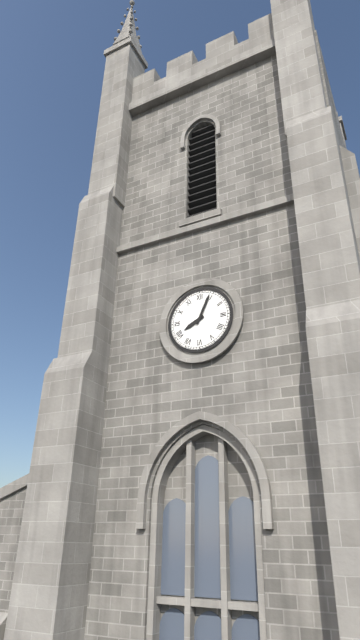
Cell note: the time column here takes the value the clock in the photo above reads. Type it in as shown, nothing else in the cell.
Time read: 8:04
